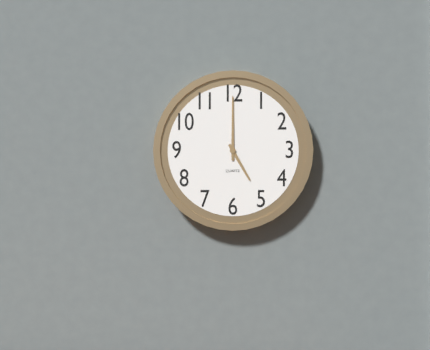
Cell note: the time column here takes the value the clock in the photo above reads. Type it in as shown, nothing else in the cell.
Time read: 5:00
